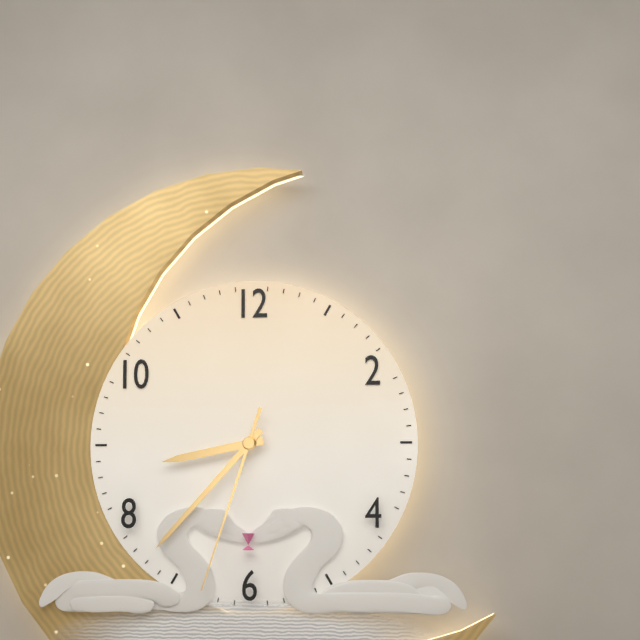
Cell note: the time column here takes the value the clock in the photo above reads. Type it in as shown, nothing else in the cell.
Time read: 8:37:33
